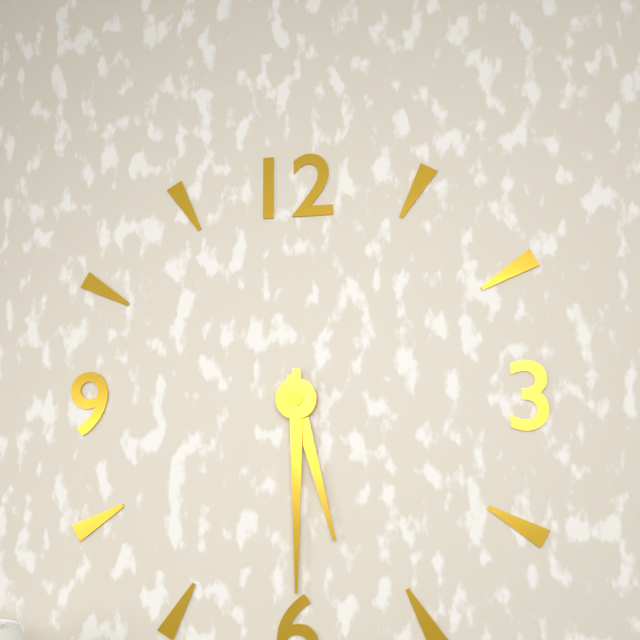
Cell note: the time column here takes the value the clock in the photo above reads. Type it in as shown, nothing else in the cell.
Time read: 5:30
